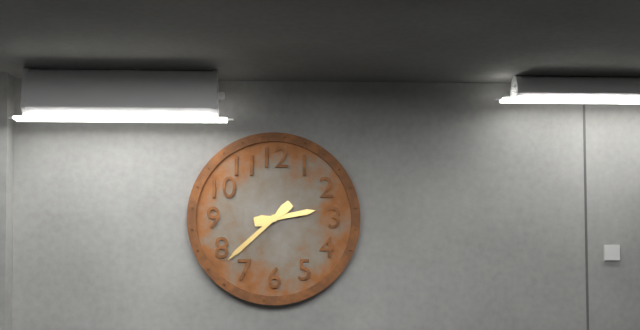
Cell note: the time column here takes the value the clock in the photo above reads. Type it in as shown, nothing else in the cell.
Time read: 2:38
